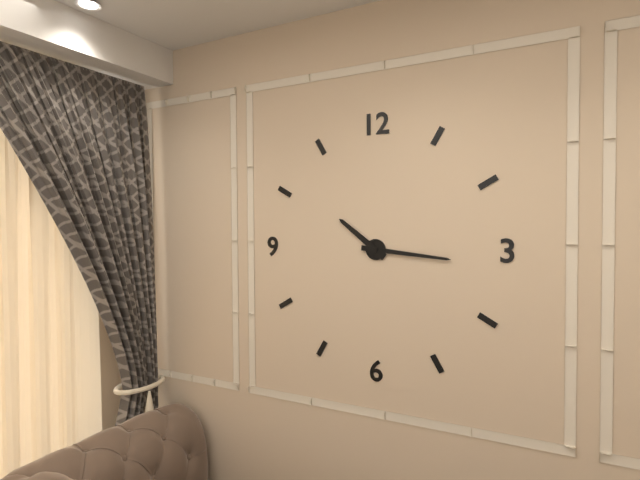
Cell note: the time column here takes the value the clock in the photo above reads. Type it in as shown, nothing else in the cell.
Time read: 10:16
